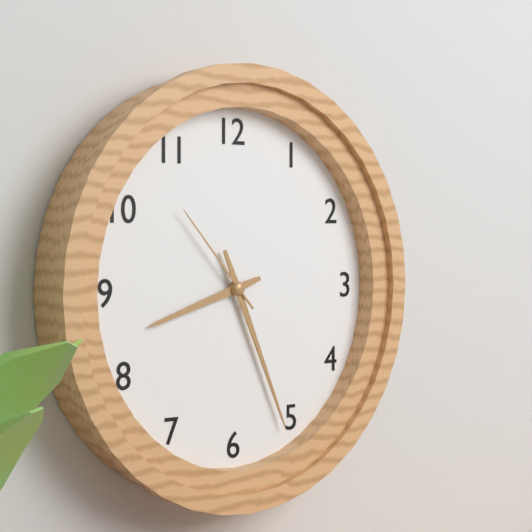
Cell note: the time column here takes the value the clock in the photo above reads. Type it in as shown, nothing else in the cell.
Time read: 8:26:53
